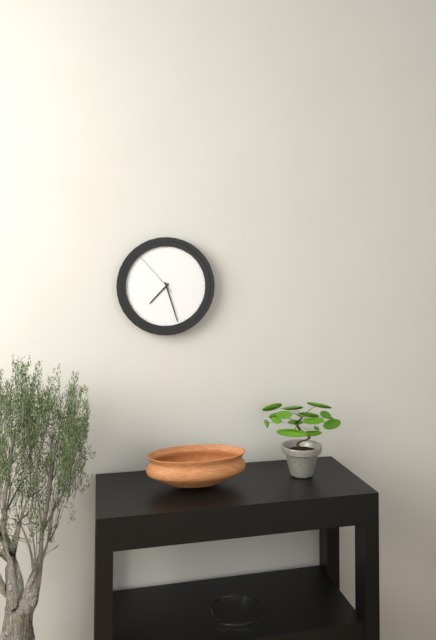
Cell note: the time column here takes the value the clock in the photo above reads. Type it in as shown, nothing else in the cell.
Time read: 7:27:53
